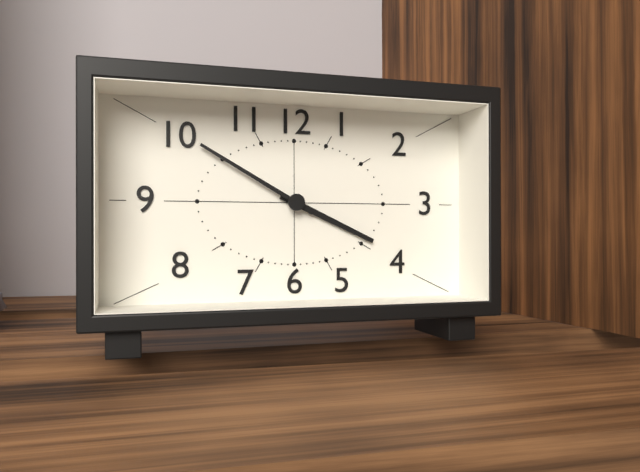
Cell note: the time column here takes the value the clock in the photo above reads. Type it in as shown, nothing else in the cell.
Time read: 3:50
